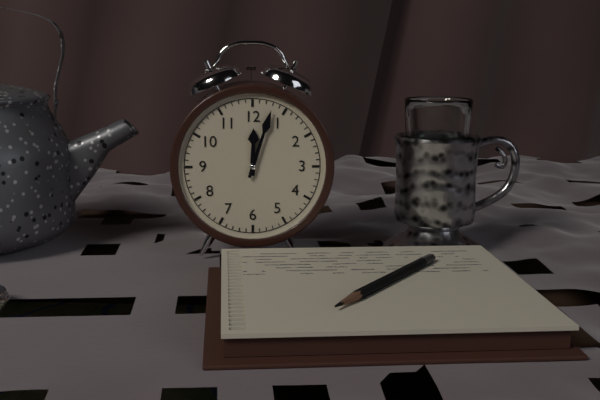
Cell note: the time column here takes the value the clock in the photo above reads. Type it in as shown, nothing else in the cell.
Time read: 12:03
